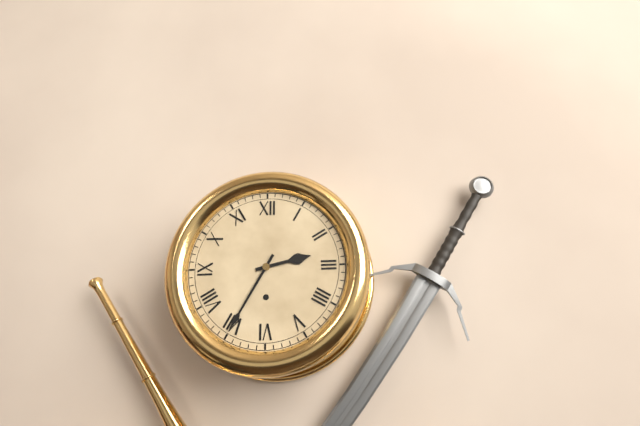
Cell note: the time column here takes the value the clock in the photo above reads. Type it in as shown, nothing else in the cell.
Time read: 2:35
